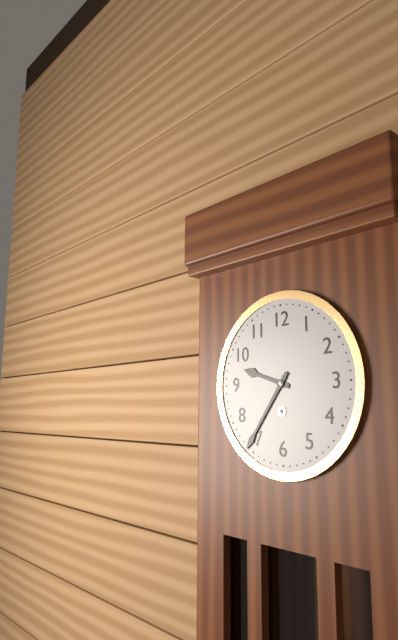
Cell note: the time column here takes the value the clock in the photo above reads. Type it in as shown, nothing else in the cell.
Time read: 9:36
